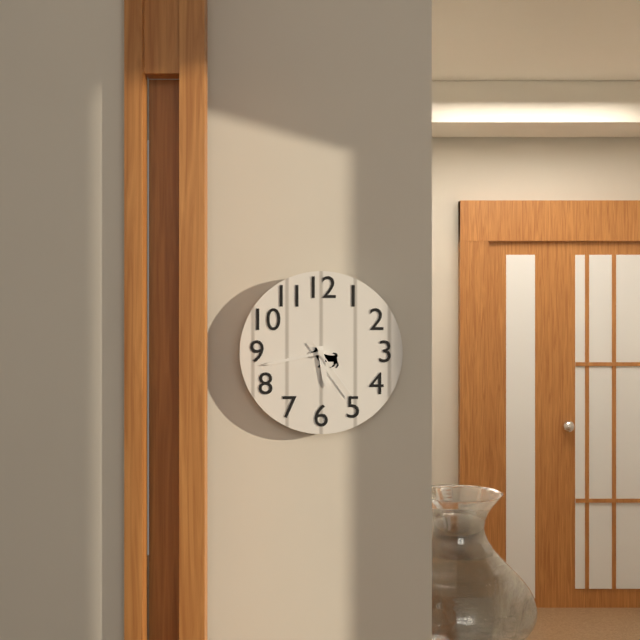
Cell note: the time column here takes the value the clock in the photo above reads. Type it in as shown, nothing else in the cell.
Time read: 5:43:24
